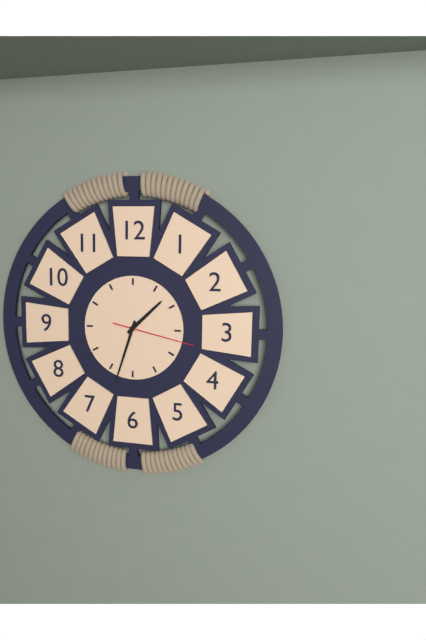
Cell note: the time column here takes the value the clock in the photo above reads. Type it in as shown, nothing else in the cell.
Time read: 1:33:17
